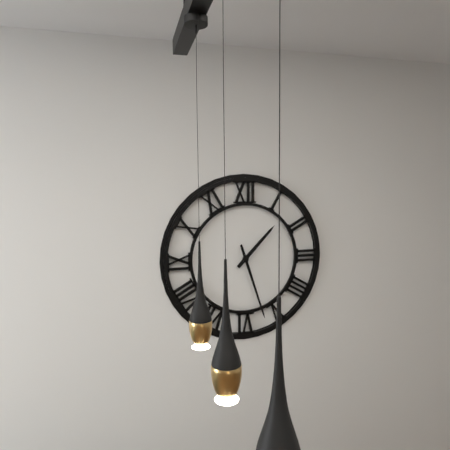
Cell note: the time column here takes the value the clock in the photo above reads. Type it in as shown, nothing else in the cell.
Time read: 1:27
